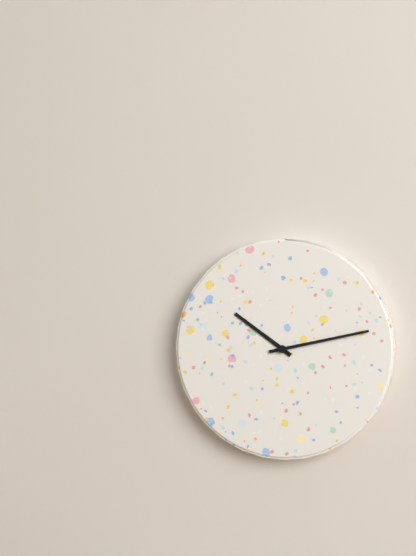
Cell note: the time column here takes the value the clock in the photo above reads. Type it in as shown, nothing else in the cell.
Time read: 10:13
